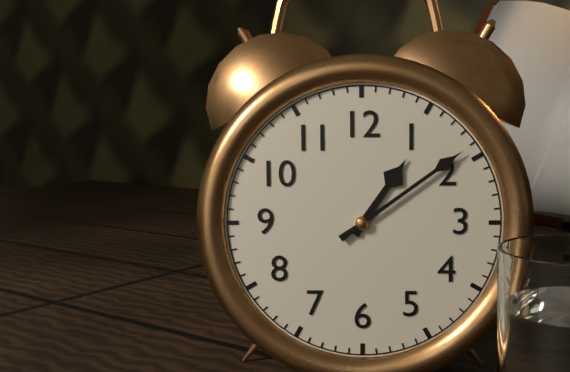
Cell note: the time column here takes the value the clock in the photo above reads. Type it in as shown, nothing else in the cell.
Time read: 1:09
